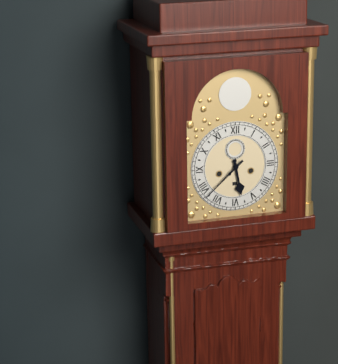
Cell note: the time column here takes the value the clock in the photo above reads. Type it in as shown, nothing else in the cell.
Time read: 5:38
